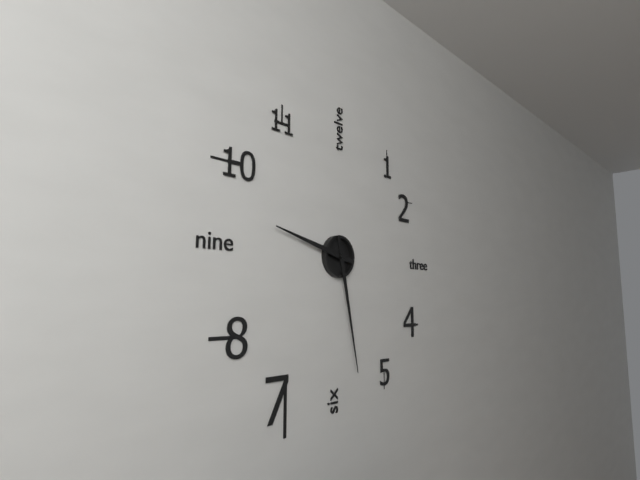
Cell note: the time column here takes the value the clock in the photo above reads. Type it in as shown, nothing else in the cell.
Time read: 9:28
